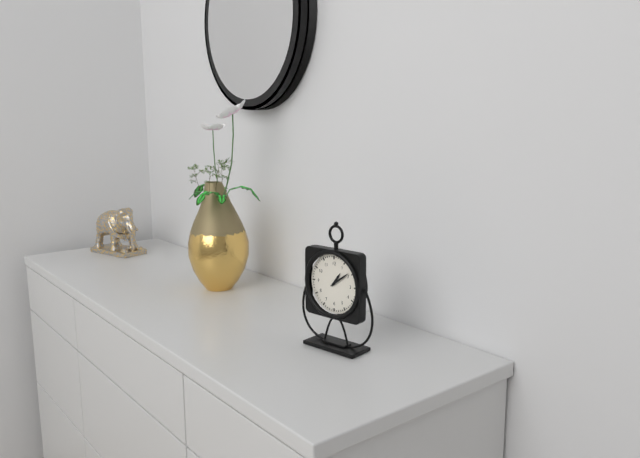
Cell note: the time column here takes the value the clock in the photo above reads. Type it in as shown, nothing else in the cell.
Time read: 1:09
